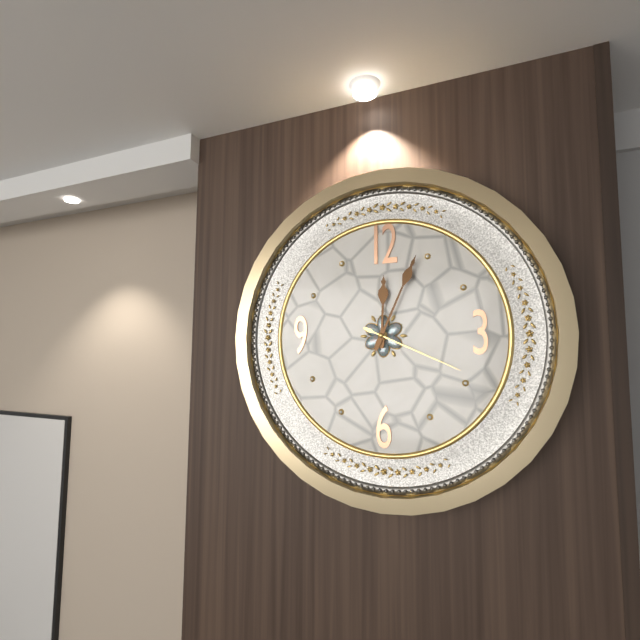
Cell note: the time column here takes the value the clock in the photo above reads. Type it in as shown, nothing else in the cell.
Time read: 12:04:19
